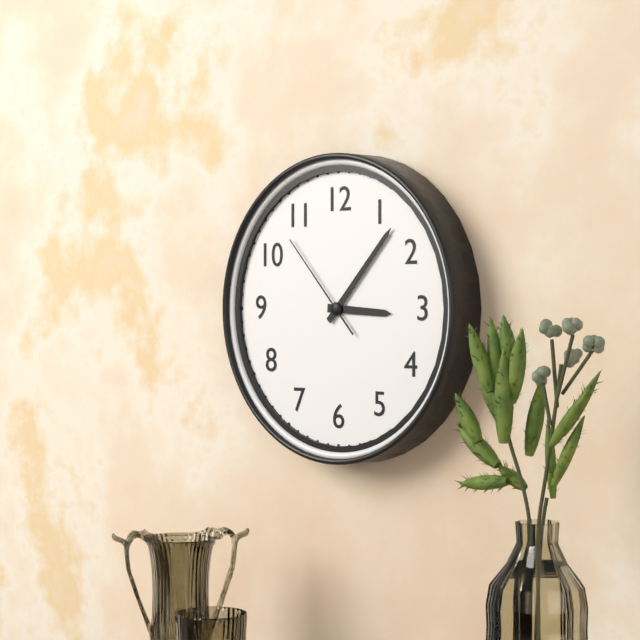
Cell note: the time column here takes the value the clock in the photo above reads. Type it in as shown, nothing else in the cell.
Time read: 3:07:53
